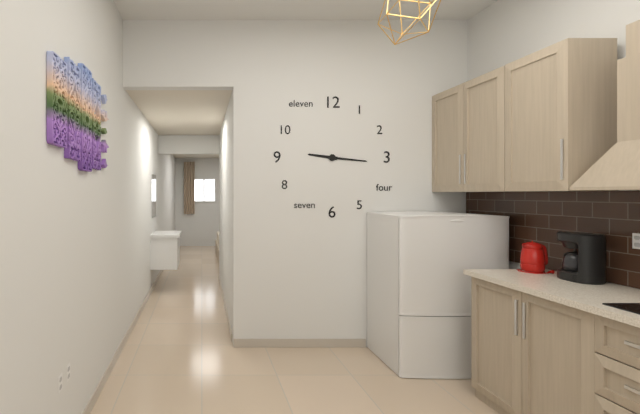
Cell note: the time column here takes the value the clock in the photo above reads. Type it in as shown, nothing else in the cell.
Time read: 9:16
